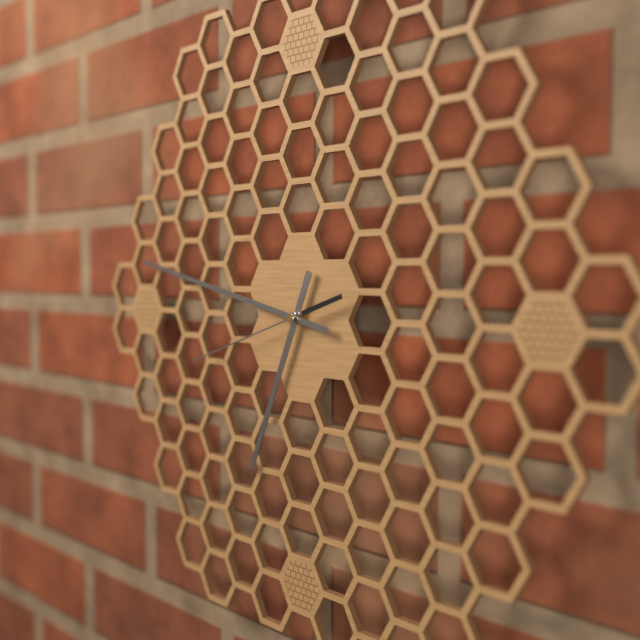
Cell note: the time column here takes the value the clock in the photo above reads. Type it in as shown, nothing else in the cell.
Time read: 6:47:42
